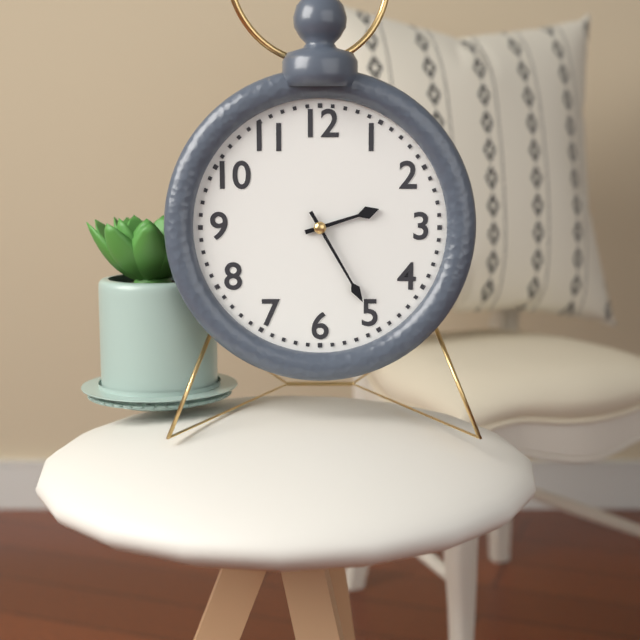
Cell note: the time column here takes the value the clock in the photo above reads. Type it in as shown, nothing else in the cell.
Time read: 2:25
